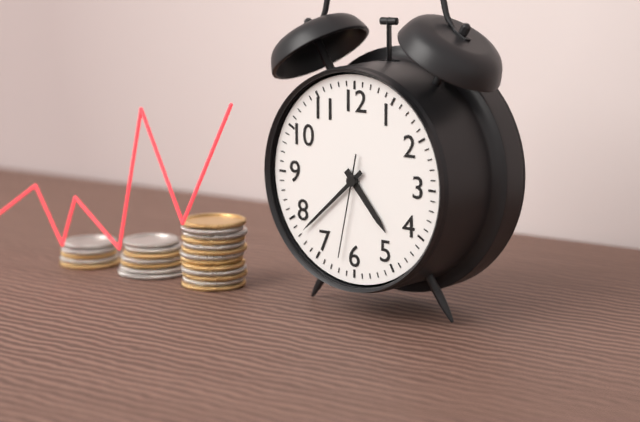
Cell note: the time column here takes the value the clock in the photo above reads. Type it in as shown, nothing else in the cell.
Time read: 4:38:32
